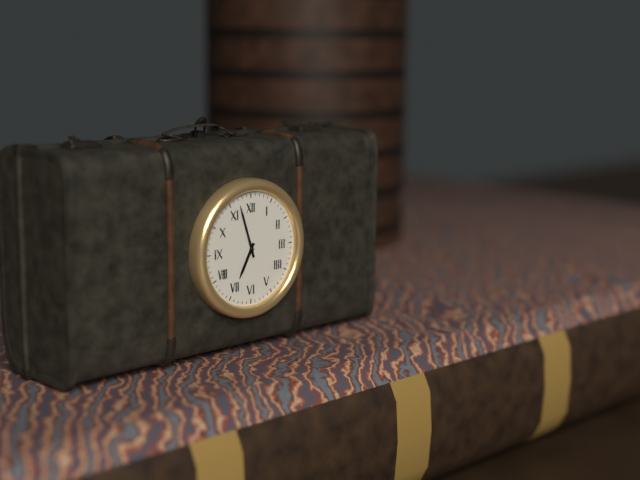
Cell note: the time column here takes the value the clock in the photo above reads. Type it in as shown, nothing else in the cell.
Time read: 6:57
